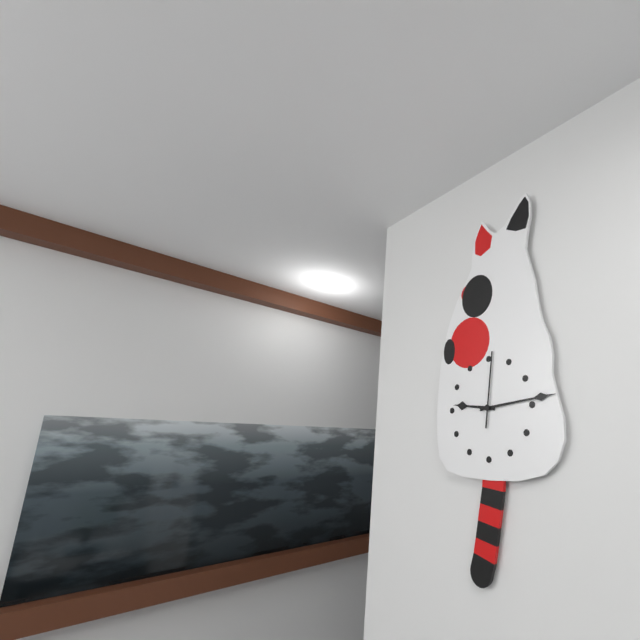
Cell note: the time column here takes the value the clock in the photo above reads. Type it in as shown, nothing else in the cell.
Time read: 9:14:01
